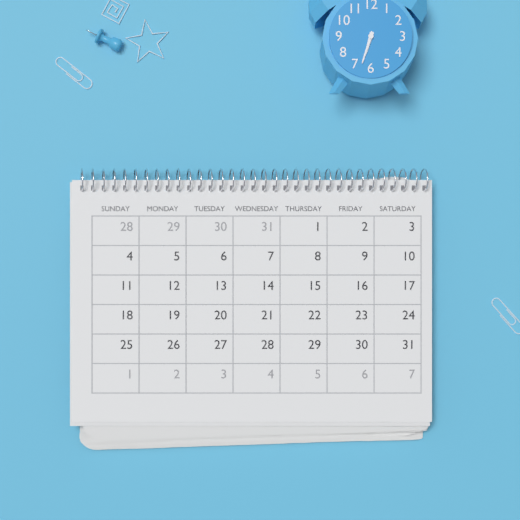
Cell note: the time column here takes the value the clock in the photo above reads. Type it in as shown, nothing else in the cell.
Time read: 6:33
